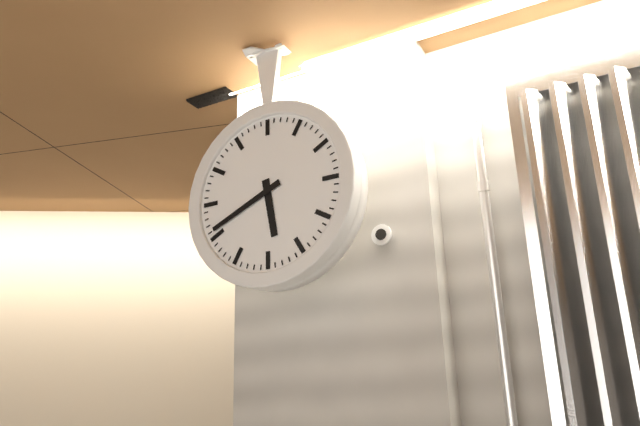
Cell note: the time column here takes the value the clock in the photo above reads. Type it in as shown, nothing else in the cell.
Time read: 5:41
